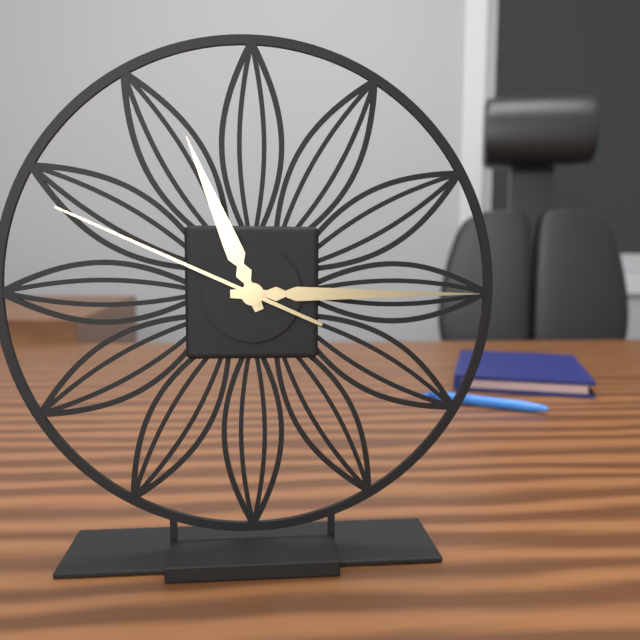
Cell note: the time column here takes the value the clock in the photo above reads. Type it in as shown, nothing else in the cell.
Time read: 11:15:49
